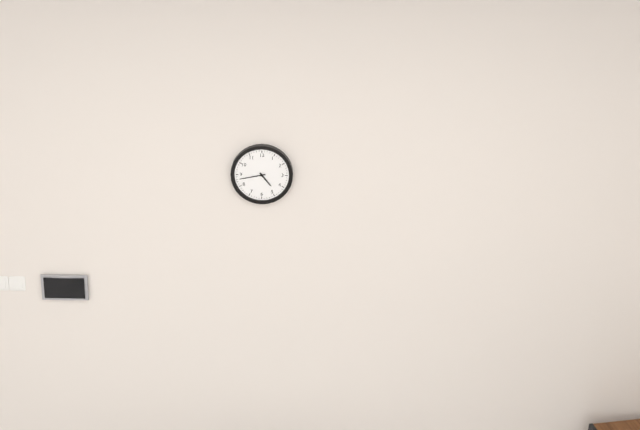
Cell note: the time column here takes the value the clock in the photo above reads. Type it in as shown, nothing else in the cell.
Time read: 4:43
